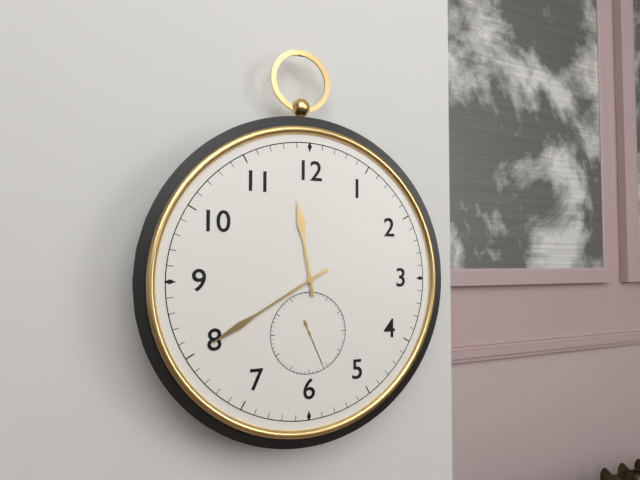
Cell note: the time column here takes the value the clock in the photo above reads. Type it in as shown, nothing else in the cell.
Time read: 11:40:26
